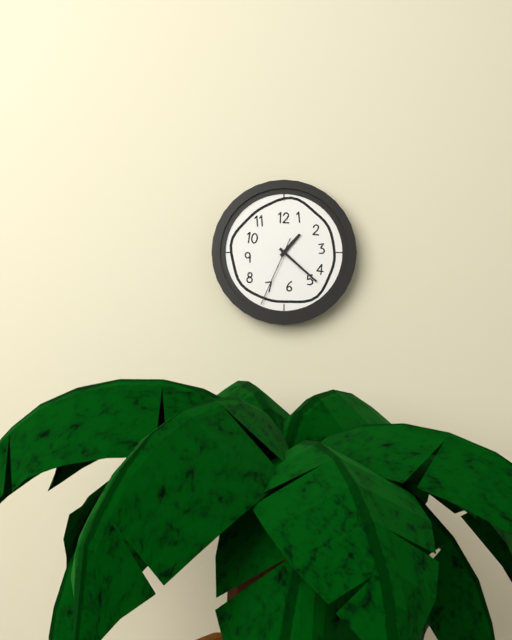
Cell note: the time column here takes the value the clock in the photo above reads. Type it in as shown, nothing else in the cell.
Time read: 1:22:34
